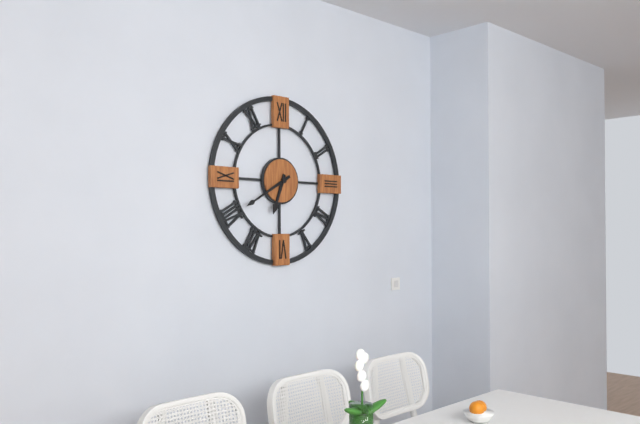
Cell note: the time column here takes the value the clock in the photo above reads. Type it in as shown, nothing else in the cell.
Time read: 6:40
